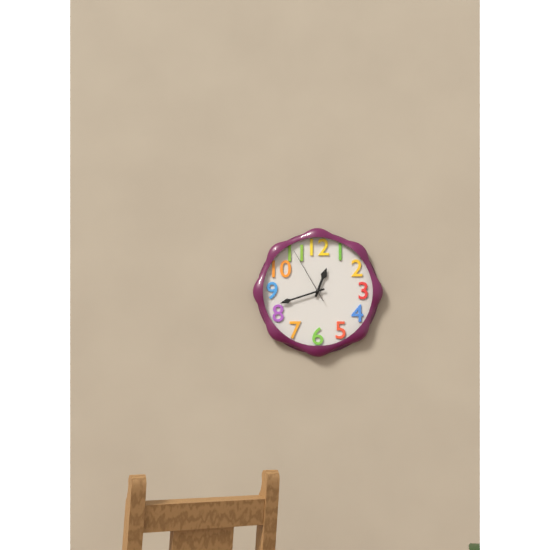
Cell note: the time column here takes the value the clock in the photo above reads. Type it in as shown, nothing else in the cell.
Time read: 12:42:55
